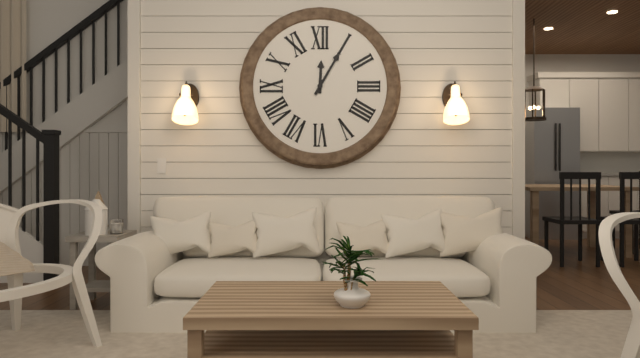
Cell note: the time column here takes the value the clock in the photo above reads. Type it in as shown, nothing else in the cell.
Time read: 12:05
